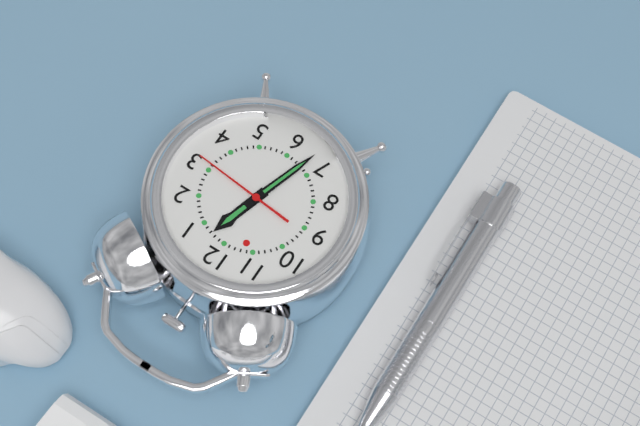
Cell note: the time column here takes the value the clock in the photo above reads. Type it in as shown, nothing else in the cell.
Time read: 12:33:16
